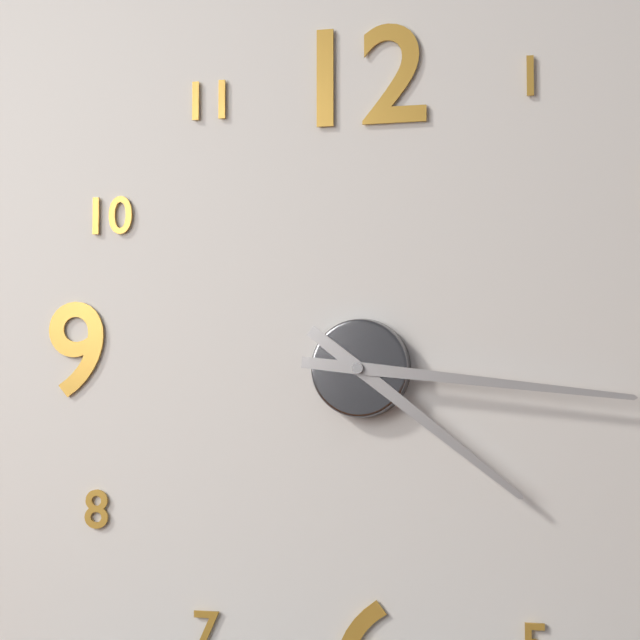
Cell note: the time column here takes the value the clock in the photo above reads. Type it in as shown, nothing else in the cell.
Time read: 4:16
